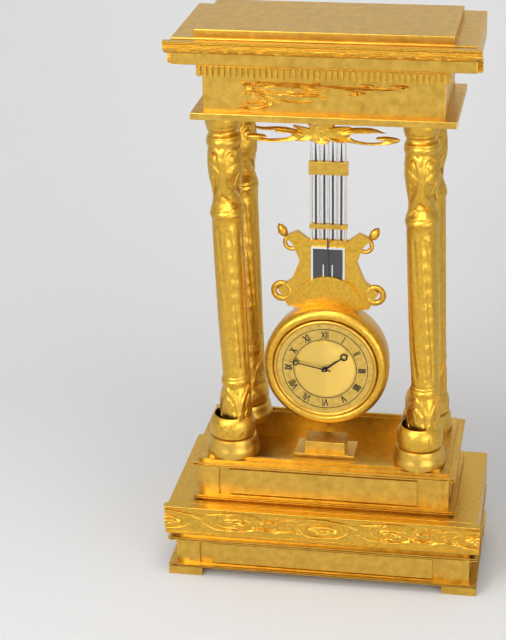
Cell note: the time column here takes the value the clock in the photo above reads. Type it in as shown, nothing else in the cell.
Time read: 1:47
